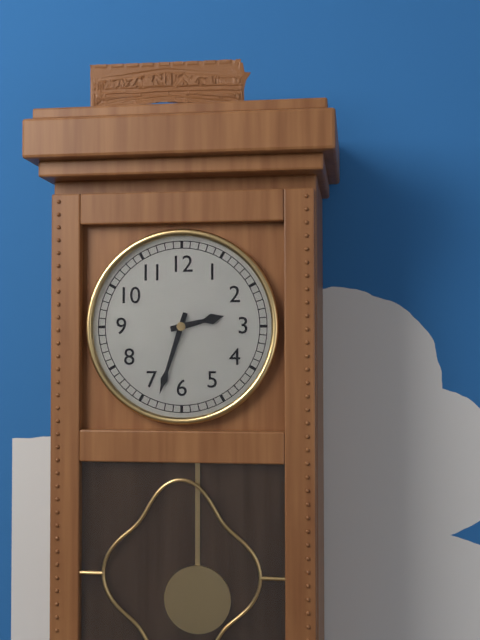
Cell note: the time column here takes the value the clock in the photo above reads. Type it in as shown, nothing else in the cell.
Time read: 2:33
